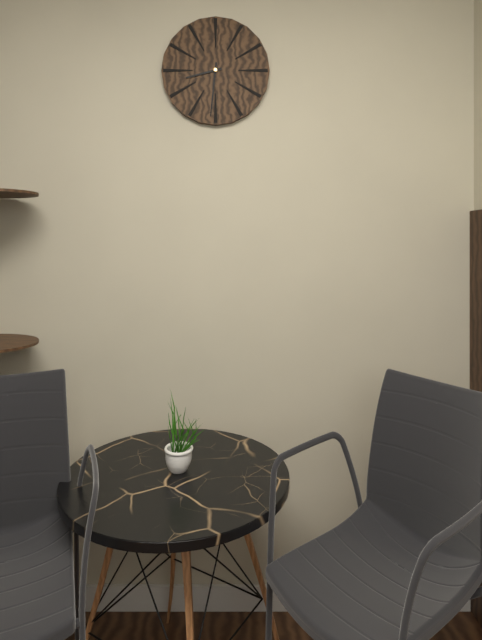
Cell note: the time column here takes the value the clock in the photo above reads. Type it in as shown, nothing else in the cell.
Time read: 8:31
